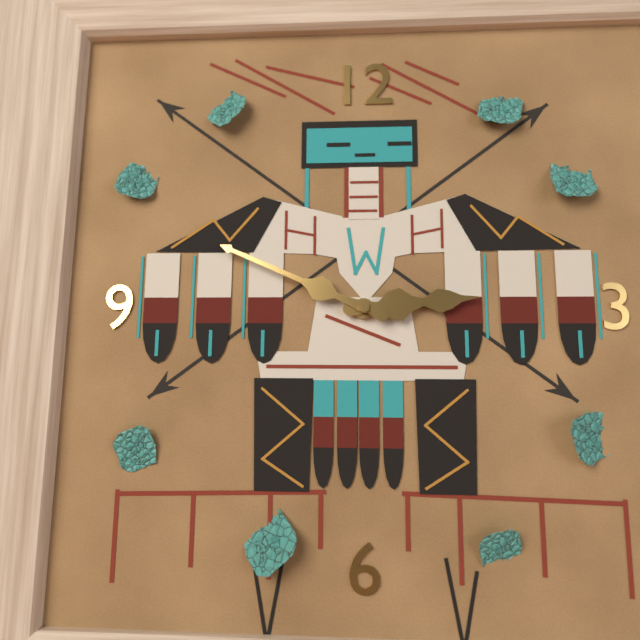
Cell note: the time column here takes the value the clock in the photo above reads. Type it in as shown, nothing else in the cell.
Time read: 2:49
